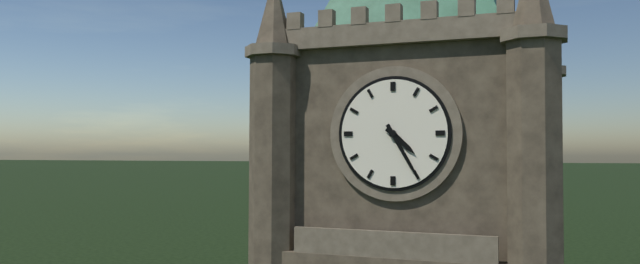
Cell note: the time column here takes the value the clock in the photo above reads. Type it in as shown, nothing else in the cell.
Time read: 4:25
